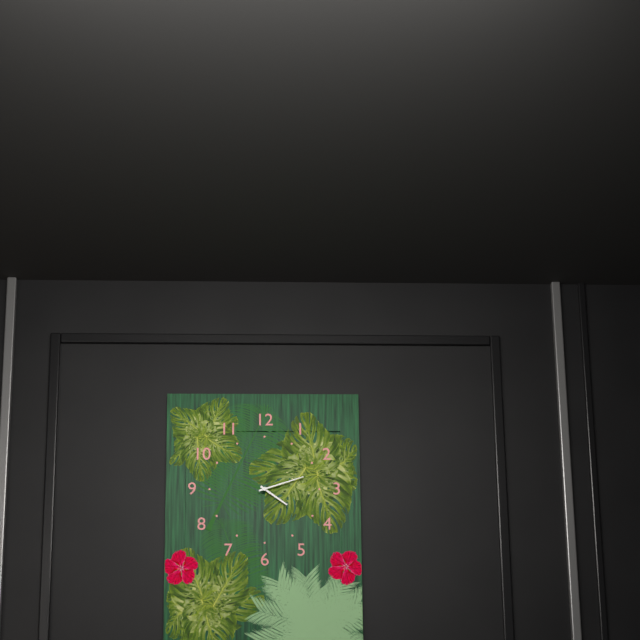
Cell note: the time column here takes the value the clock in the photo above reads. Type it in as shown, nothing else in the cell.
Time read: 4:12
